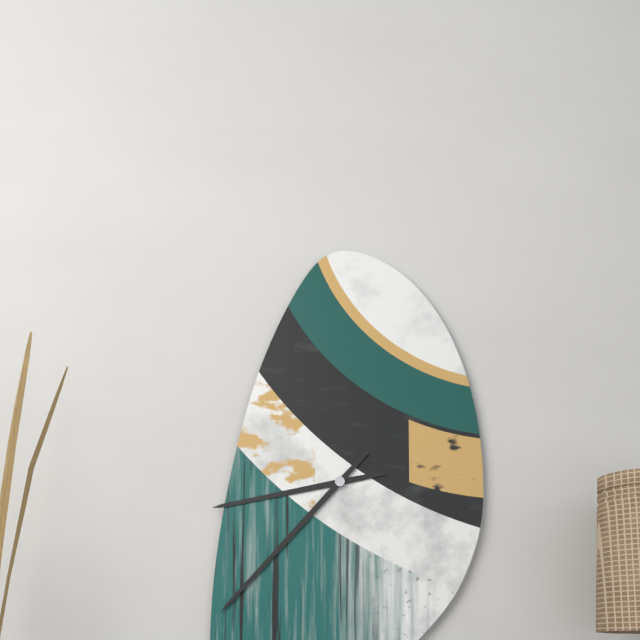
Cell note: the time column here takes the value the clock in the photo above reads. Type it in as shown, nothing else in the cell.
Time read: 8:37
